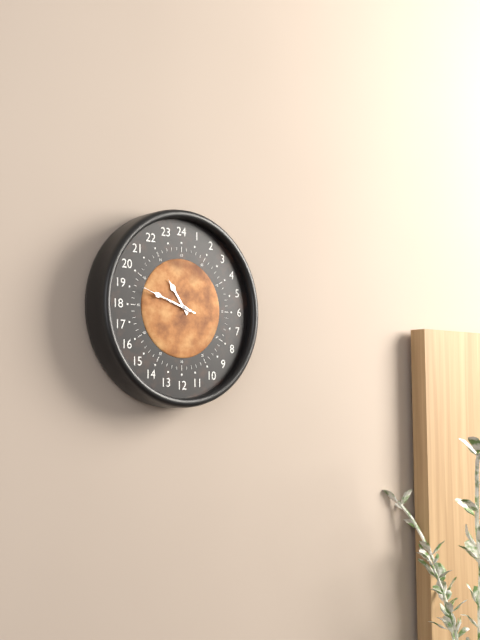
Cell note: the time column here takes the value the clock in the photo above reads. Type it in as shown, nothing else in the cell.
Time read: 10:48
